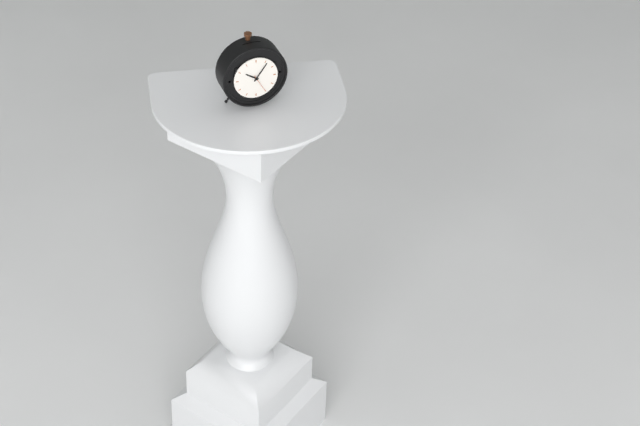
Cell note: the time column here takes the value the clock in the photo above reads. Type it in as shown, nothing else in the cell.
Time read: 10:06
